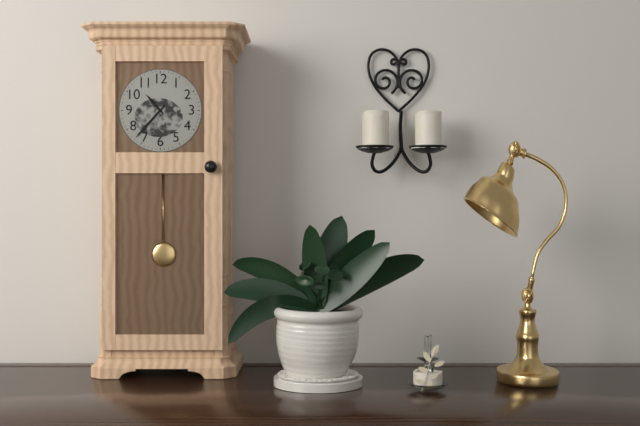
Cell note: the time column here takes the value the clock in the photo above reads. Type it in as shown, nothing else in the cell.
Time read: 10:37
